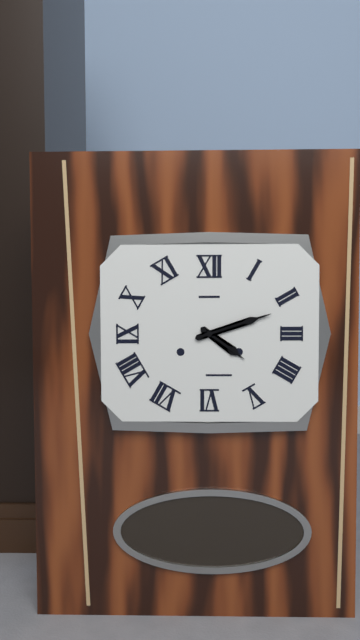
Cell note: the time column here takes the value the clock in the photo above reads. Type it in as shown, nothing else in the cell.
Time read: 4:12
